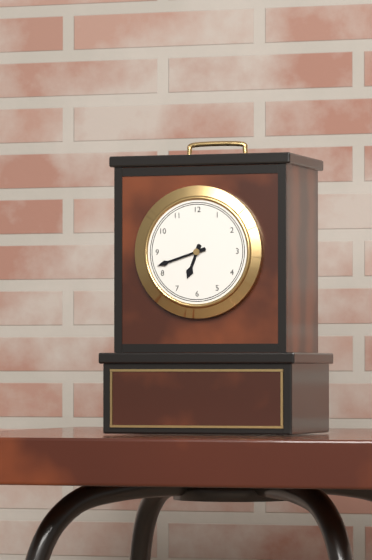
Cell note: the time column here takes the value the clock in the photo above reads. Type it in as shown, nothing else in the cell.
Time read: 6:42
